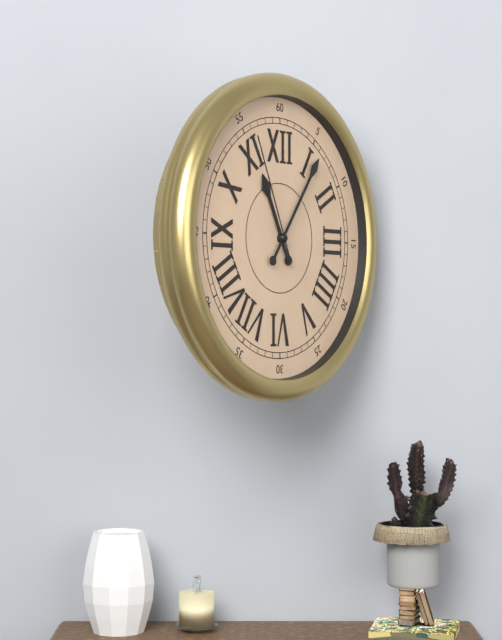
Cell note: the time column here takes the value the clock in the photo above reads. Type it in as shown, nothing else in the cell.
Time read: 11:06:56
